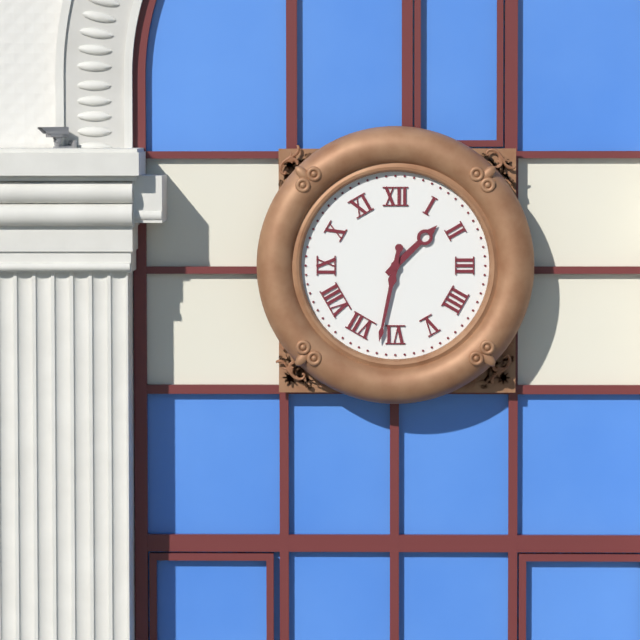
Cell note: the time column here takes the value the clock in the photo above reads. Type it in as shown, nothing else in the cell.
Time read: 1:32
